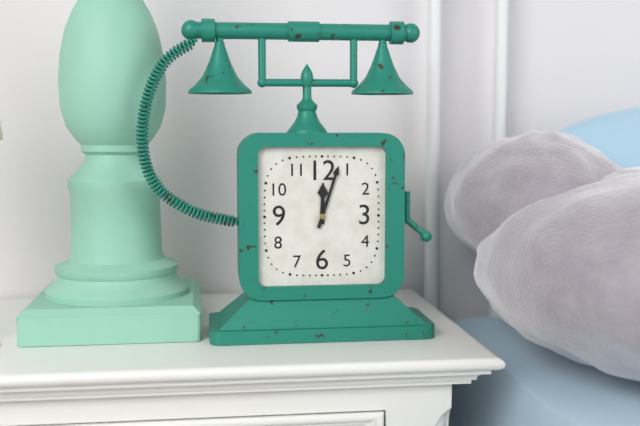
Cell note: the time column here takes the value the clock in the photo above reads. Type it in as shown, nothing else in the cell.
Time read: 12:03
